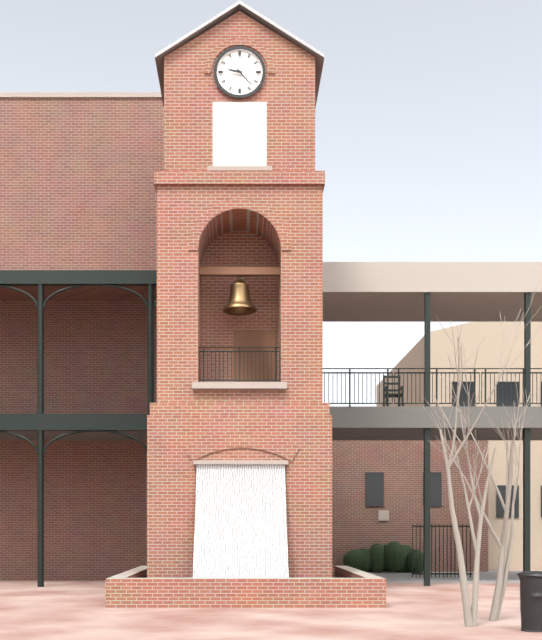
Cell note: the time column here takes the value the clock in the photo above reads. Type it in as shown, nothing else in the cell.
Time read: 9:23
